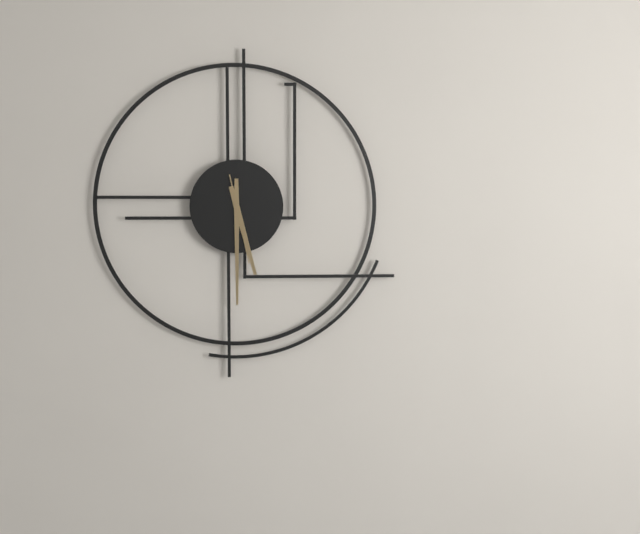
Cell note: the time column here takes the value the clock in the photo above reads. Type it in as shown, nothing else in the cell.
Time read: 5:30:28
